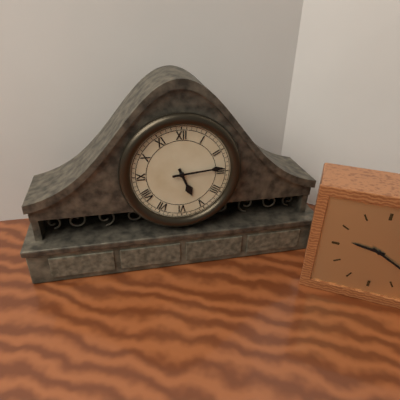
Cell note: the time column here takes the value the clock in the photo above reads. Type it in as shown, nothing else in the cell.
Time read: 5:14
